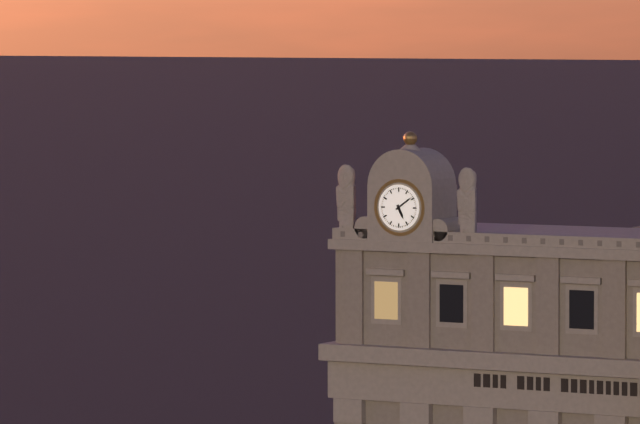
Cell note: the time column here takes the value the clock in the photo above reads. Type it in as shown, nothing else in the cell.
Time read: 5:09
